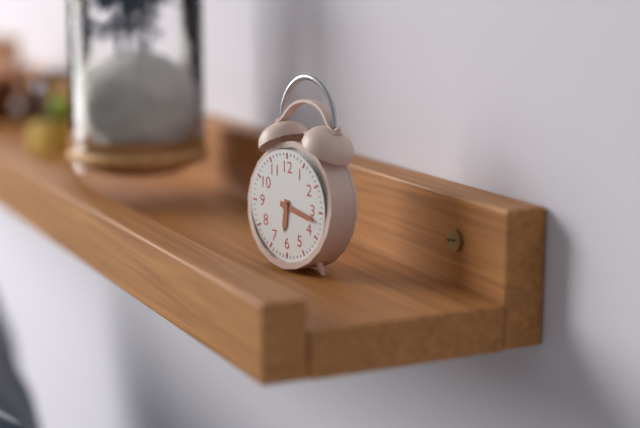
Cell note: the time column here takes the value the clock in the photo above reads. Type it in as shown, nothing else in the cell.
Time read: 6:17
